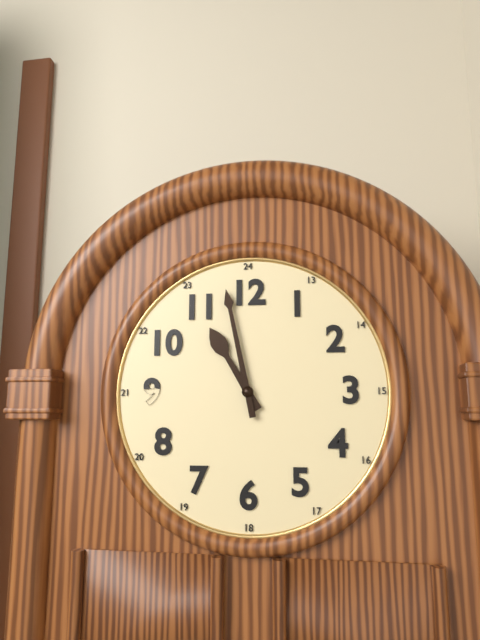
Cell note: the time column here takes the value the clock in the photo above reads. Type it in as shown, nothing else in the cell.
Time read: 10:58
